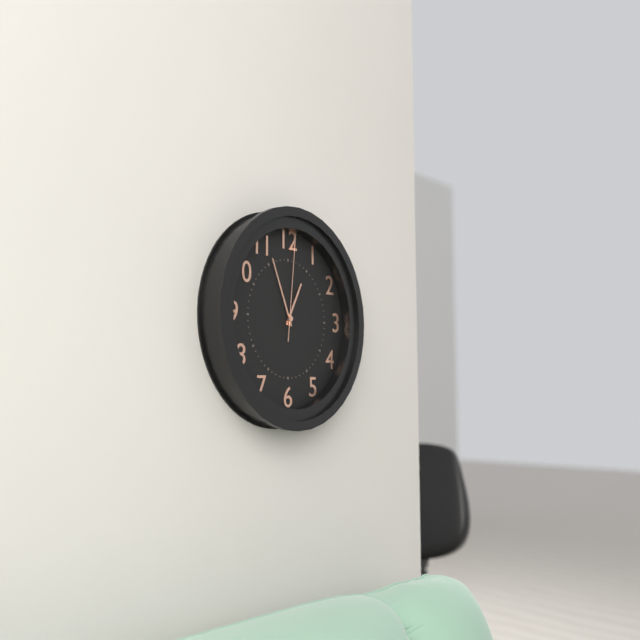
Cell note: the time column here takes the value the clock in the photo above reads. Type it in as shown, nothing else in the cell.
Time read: 12:56:01
